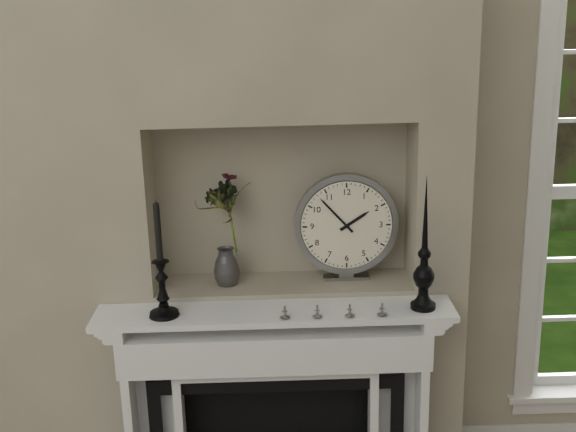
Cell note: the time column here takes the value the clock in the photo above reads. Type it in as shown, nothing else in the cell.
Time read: 1:53
